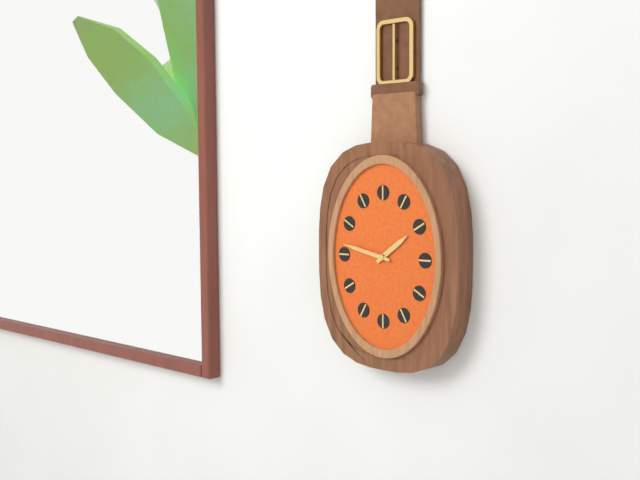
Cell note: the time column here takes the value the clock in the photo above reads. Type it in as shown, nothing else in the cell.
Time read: 1:47
